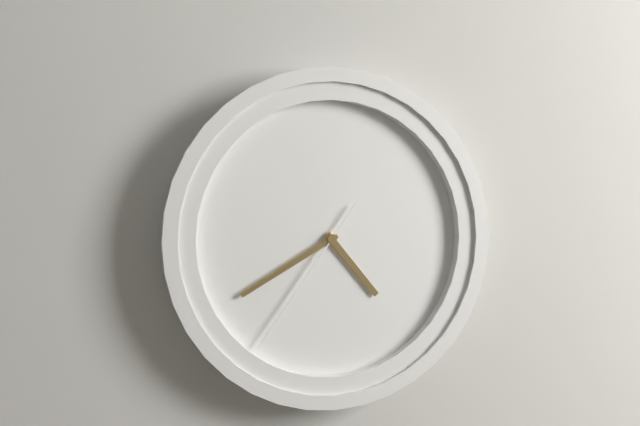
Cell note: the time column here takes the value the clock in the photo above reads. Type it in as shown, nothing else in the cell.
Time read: 4:40:36
